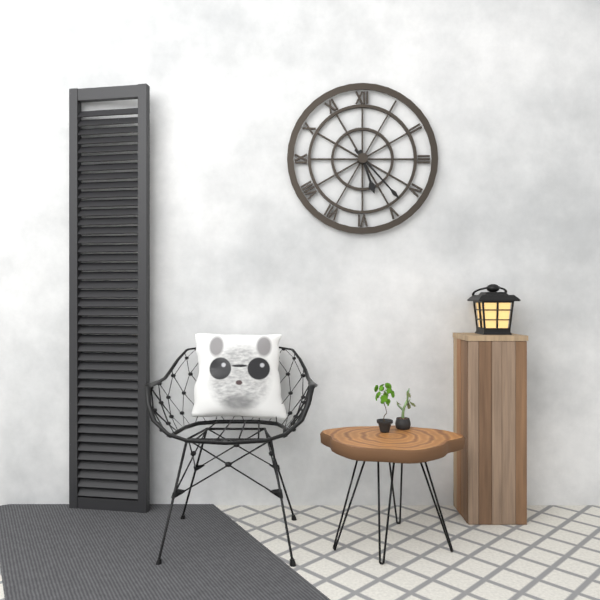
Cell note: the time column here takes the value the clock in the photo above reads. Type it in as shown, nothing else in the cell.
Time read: 5:23
